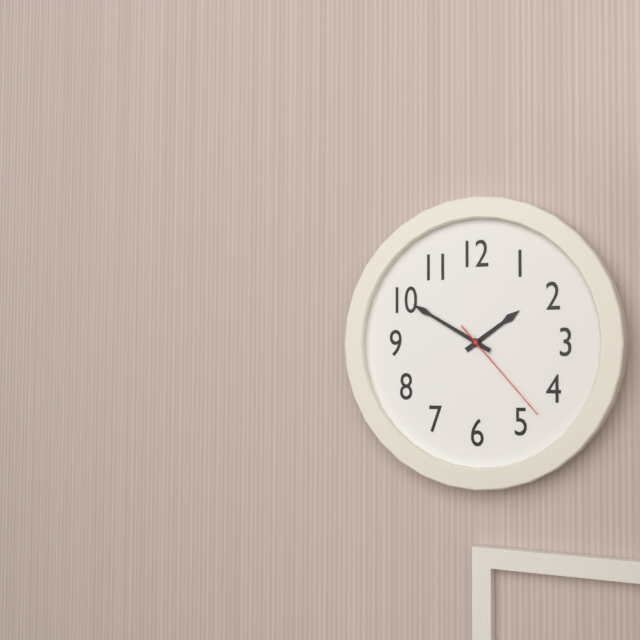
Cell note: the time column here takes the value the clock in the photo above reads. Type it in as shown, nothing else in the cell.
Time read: 1:50:23
